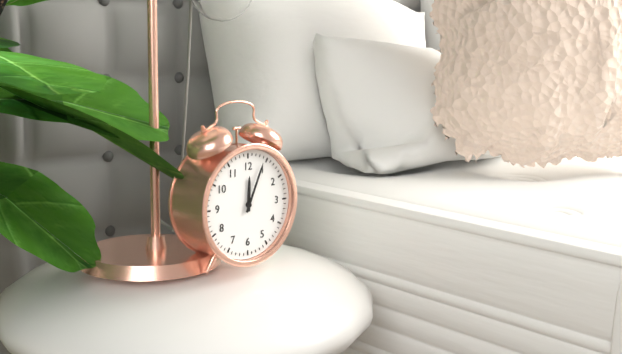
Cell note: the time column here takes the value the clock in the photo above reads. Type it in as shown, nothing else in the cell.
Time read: 12:04
